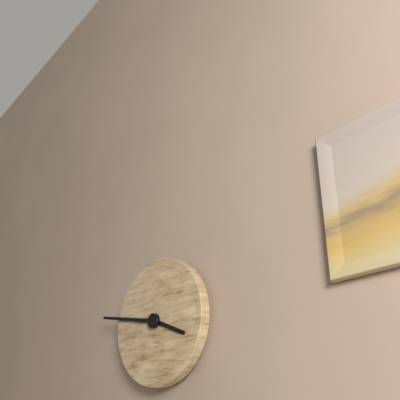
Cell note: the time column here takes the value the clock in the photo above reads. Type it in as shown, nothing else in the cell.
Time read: 3:47
